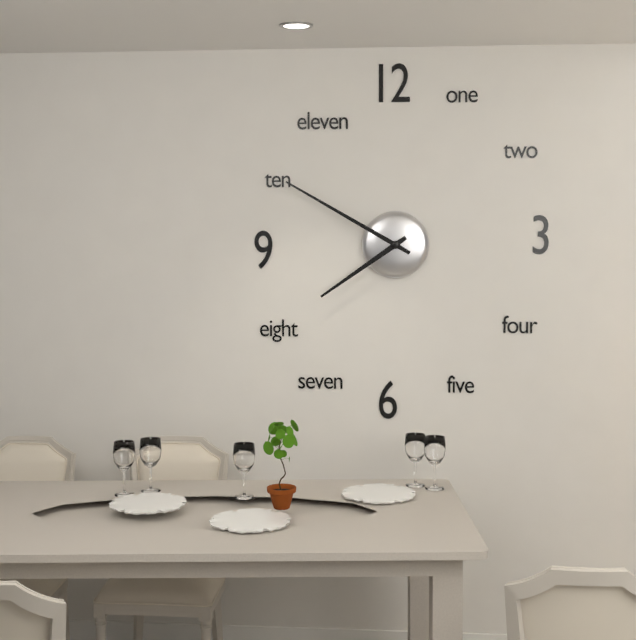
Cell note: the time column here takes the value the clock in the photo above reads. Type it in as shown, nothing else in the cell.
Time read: 7:50
